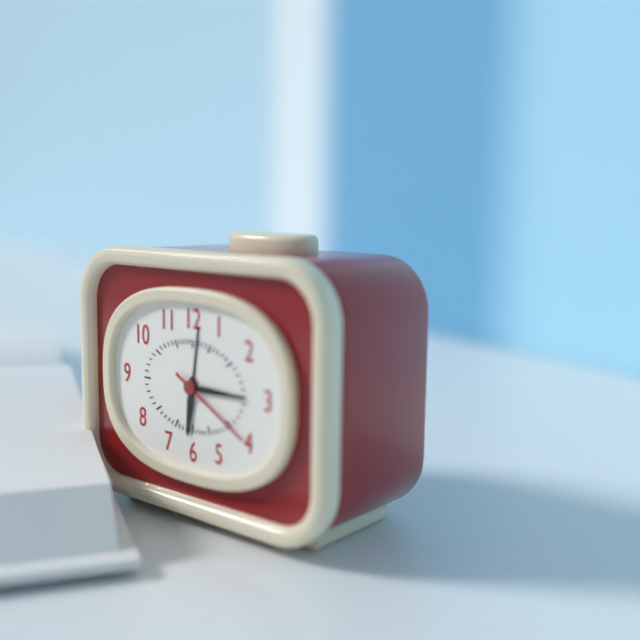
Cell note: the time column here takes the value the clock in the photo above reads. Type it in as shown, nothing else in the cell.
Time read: 6:15:20
